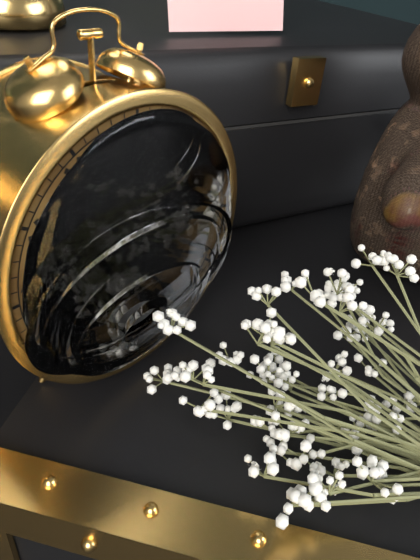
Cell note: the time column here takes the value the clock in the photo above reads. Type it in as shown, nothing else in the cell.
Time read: 8:24
